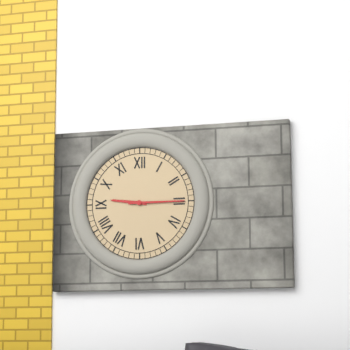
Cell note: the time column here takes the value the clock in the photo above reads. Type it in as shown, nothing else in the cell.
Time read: 9:15
